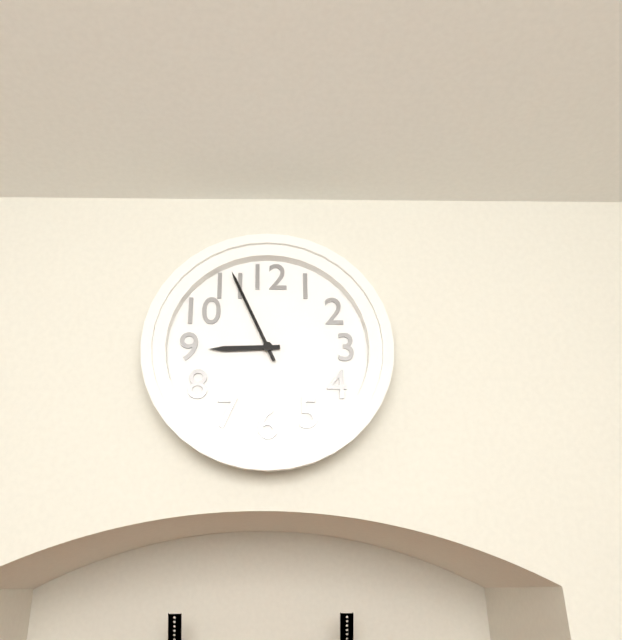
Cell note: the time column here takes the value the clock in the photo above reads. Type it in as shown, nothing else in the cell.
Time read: 8:56
